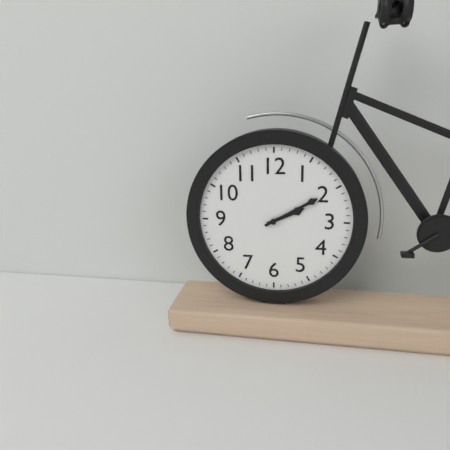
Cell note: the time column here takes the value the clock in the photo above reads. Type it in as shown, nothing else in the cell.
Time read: 2:10
